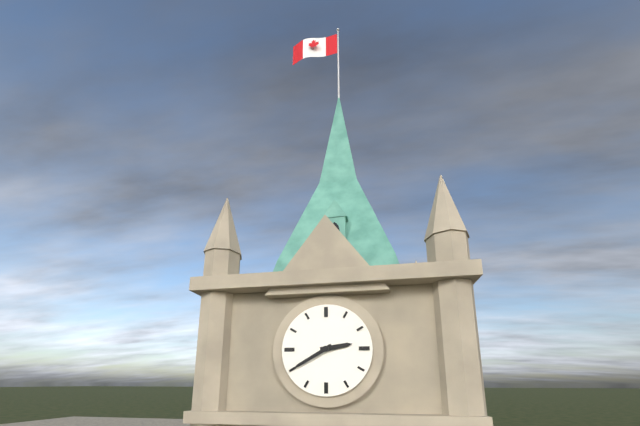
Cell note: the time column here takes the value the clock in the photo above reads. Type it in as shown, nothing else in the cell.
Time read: 2:40
